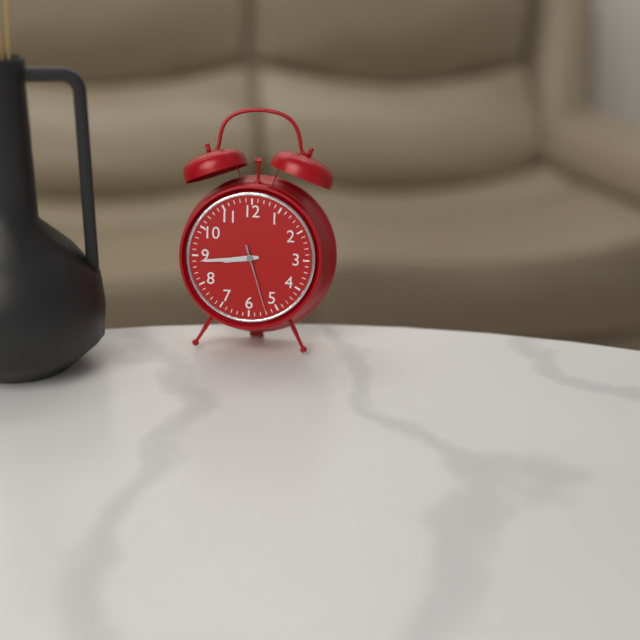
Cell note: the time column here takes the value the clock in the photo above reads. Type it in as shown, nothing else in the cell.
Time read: 8:44:27
